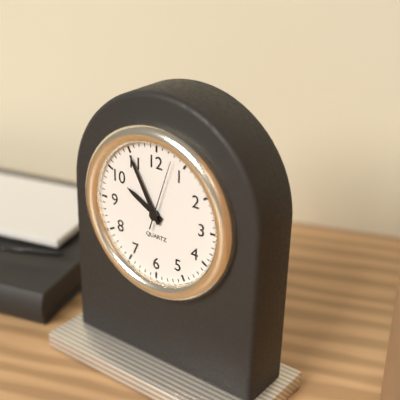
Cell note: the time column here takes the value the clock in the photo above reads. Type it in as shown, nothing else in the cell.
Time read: 9:55:03
